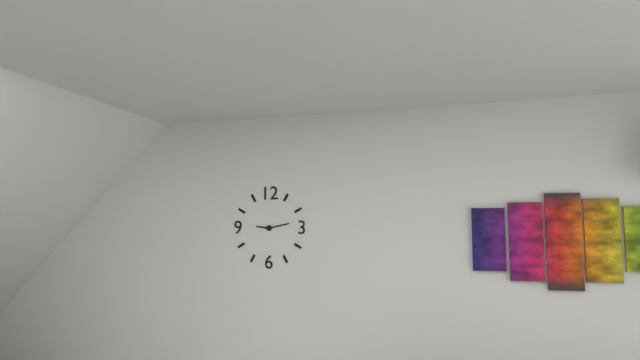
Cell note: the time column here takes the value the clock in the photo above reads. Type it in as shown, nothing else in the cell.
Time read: 9:13
